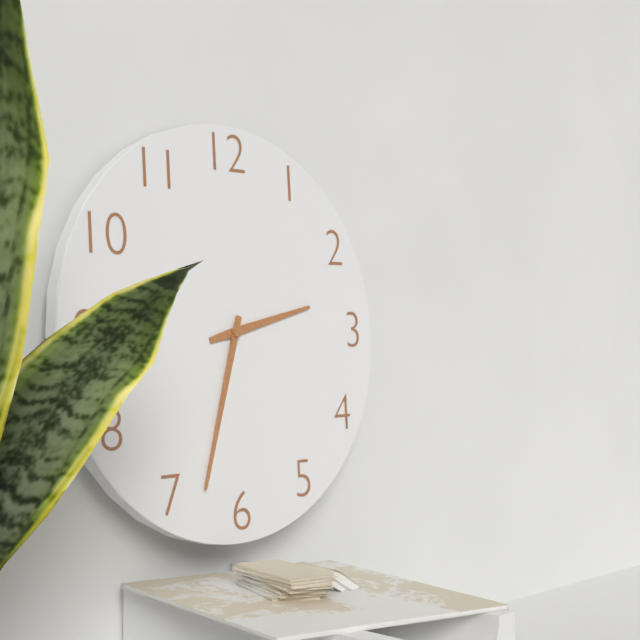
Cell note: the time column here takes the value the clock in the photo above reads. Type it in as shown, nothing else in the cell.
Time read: 2:33
